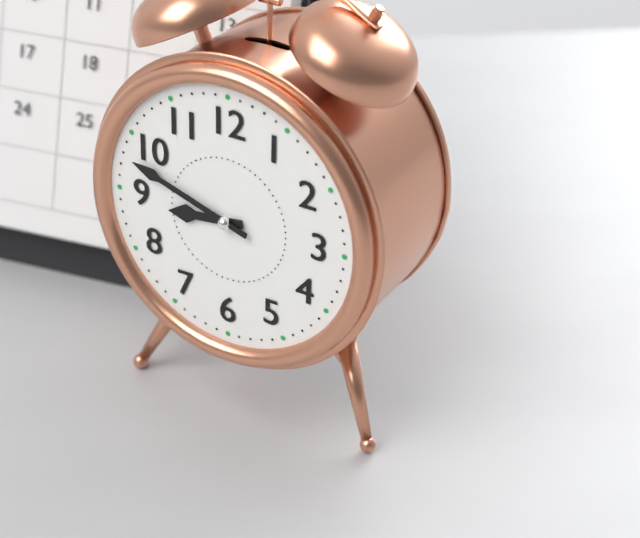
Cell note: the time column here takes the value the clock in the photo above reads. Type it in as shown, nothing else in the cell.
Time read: 8:48
